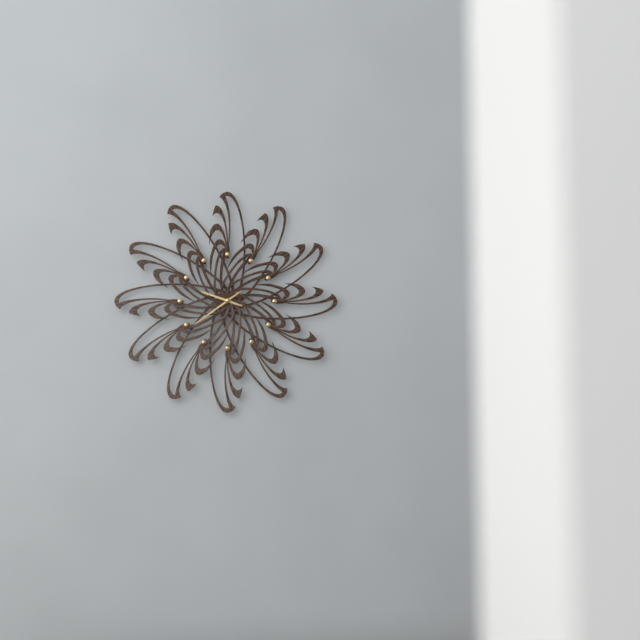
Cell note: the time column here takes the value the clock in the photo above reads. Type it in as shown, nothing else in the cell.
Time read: 9:39
